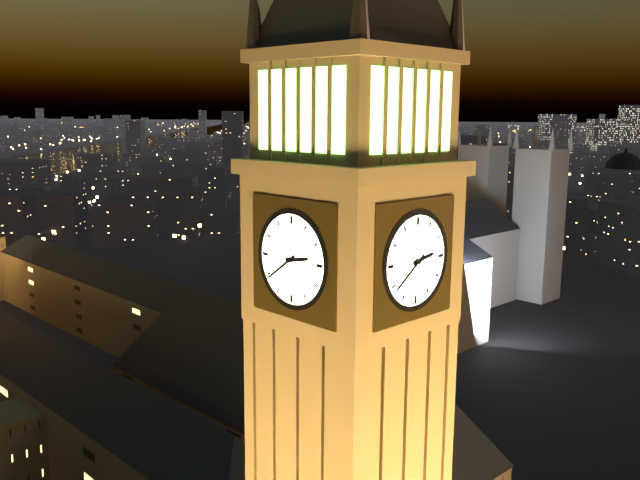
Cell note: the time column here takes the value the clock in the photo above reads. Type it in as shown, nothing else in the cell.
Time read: 2:39
